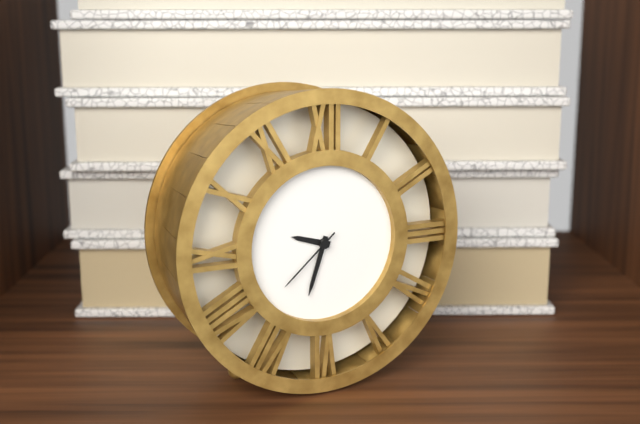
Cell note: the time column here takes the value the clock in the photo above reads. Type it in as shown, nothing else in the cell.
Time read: 9:33:38
